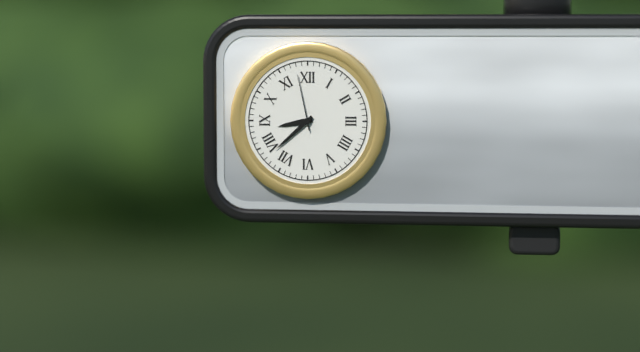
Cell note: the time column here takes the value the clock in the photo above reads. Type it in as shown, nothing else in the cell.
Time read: 8:38:58
